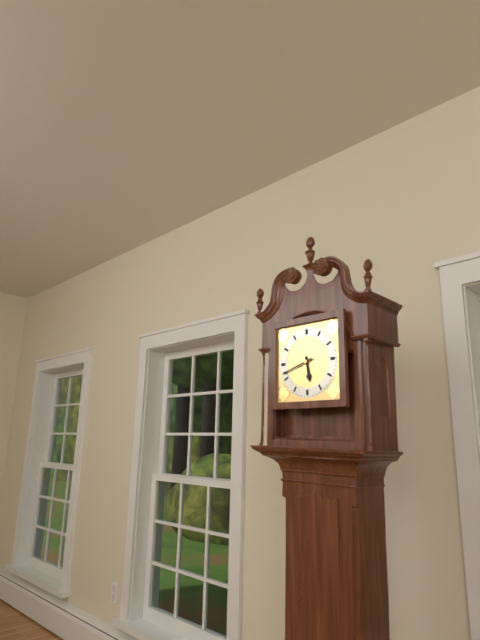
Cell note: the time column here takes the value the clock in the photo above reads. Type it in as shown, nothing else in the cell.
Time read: 5:42
